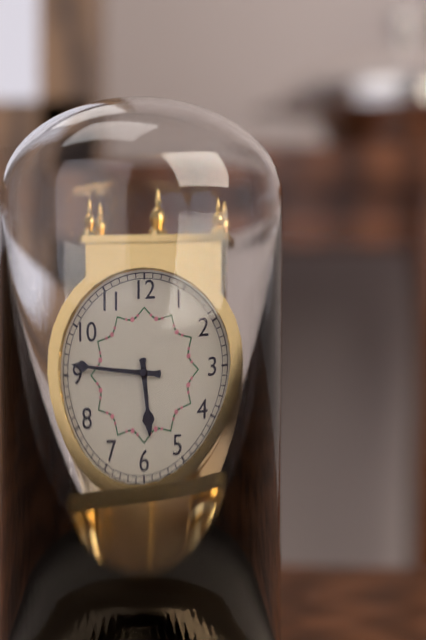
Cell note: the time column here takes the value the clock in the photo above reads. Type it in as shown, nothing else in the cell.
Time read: 5:46
